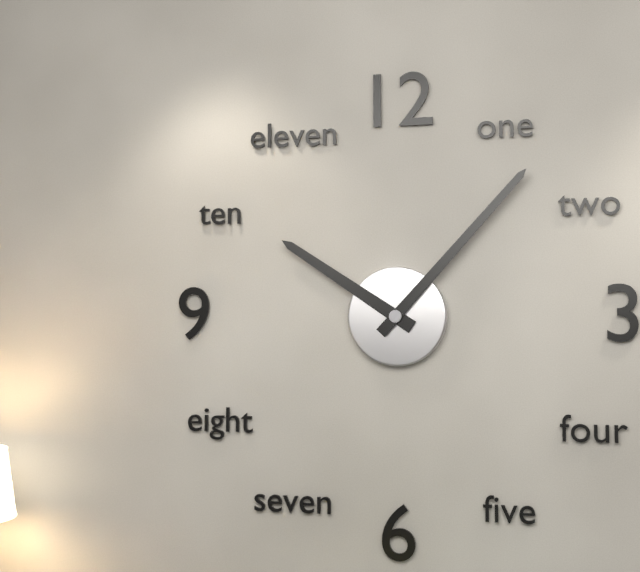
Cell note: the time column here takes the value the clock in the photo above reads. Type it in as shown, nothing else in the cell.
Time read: 10:07
